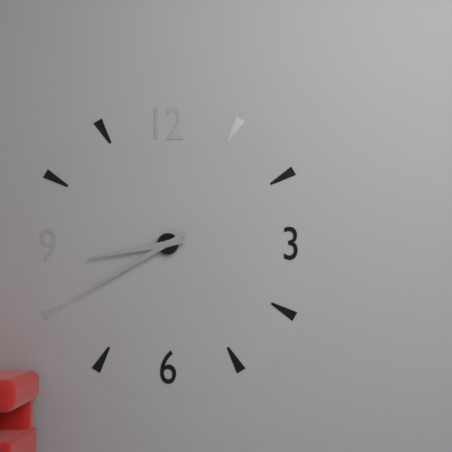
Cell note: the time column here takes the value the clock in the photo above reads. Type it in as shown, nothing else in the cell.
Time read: 8:40
